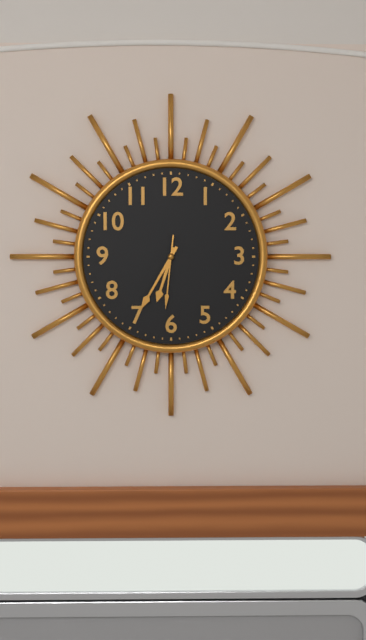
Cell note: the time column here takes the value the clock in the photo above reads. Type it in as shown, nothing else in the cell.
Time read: 6:35:31
